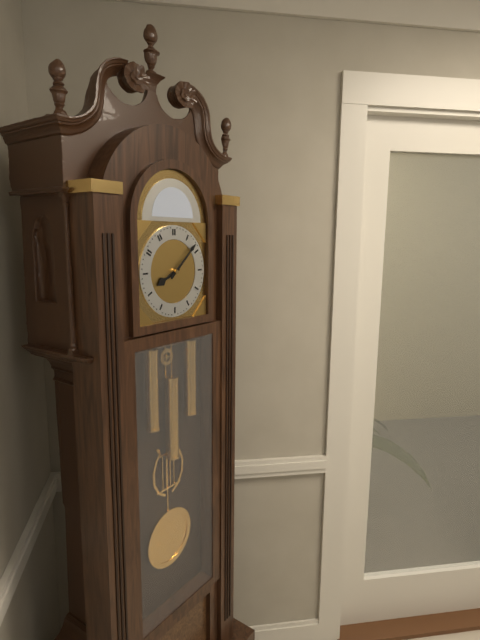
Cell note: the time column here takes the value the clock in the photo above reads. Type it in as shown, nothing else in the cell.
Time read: 8:08
